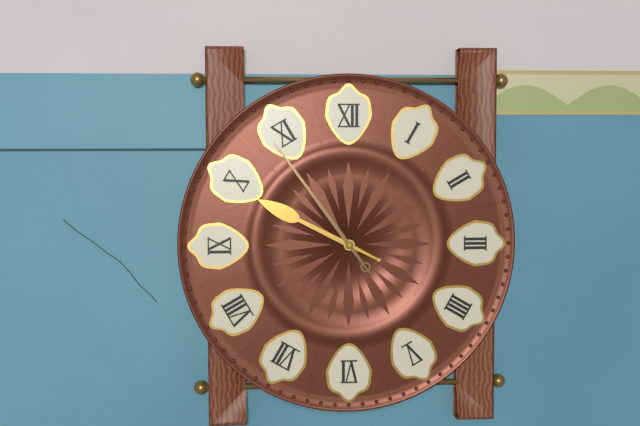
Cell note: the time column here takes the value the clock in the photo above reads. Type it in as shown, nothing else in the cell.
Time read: 9:54
